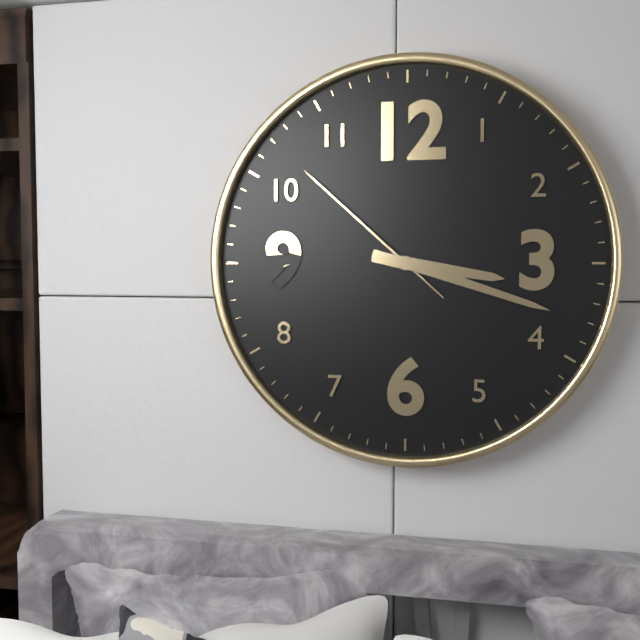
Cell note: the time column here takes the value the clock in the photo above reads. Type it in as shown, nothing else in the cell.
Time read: 3:18:52
